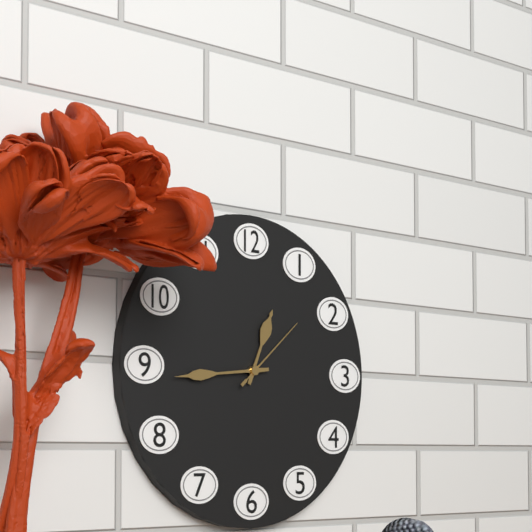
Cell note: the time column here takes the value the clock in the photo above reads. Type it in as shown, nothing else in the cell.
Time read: 12:44:08
